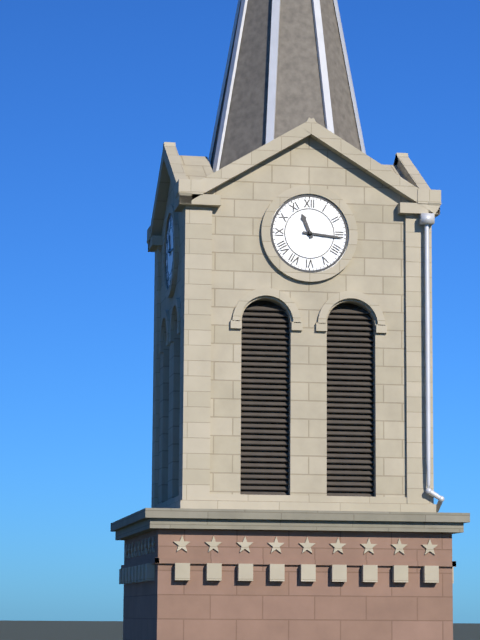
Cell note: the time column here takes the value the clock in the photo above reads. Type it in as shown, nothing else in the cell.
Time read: 11:16
